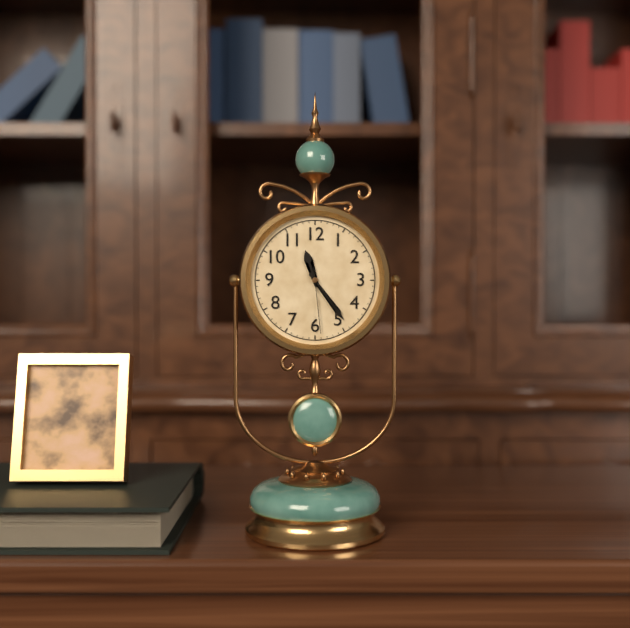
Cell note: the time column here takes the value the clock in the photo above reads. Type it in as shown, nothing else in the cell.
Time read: 11:24:29
